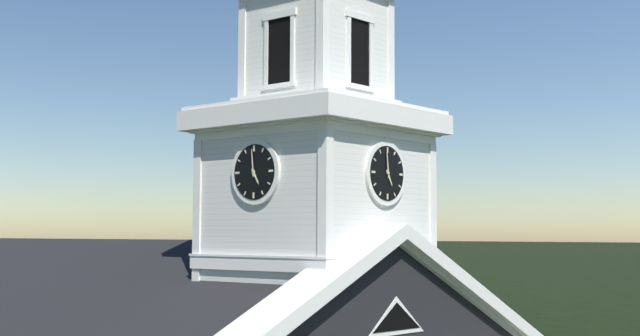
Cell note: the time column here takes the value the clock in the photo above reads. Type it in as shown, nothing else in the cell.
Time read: 4:59
